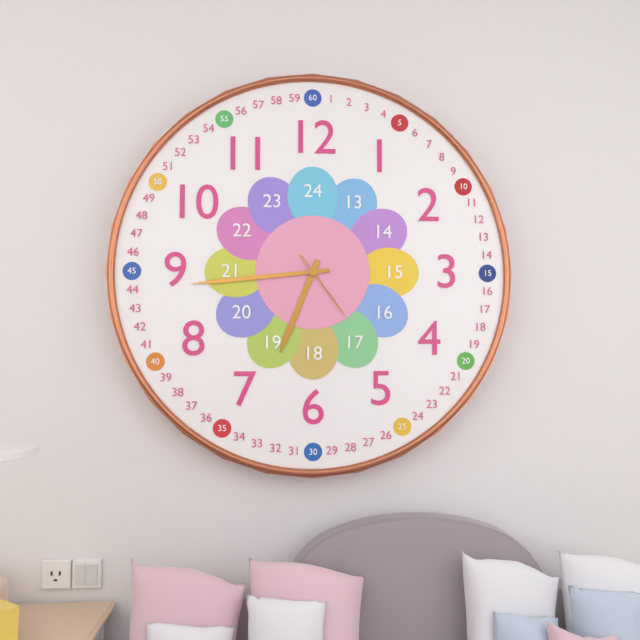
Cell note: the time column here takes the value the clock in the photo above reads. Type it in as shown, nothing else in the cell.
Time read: 6:44:24
